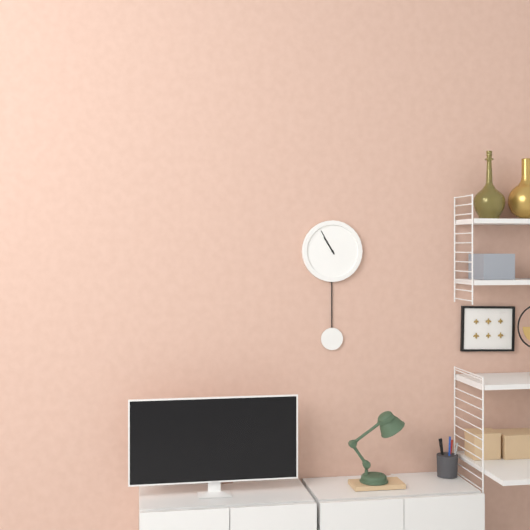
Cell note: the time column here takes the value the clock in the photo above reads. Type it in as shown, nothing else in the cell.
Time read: 10:55
